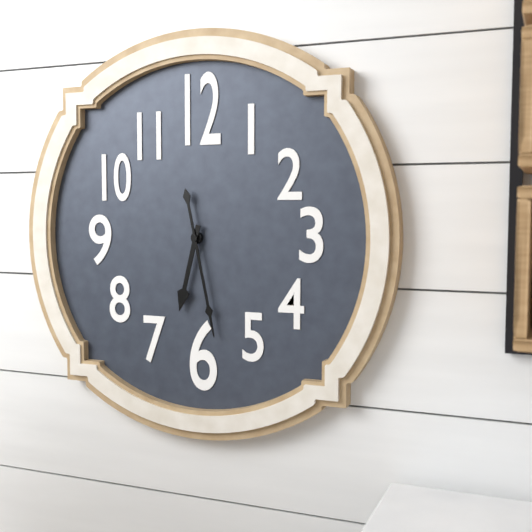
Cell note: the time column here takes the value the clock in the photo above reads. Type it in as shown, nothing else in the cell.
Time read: 6:28
